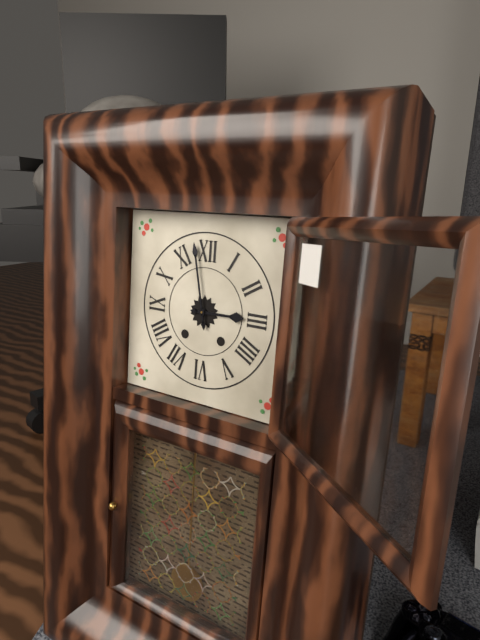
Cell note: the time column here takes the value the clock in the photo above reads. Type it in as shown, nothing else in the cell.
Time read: 2:58
